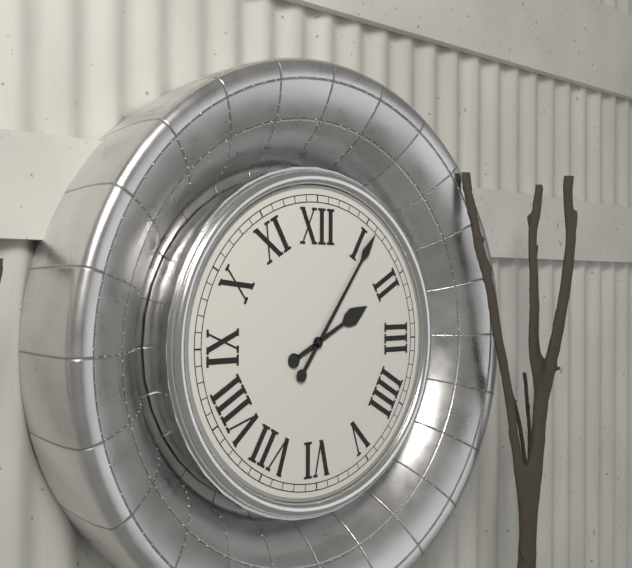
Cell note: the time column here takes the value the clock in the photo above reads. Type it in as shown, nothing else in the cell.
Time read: 2:06
